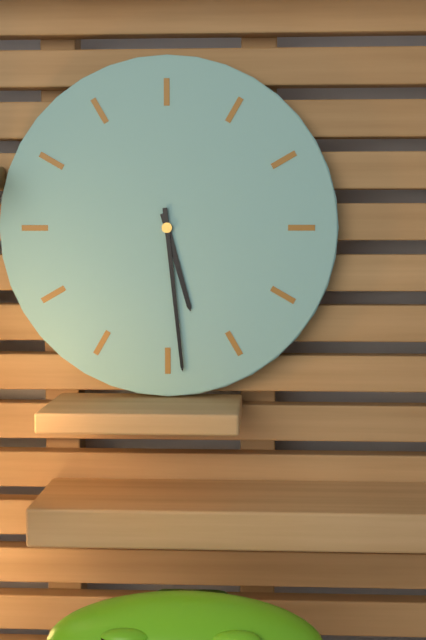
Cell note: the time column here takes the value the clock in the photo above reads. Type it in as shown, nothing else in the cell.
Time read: 5:29
